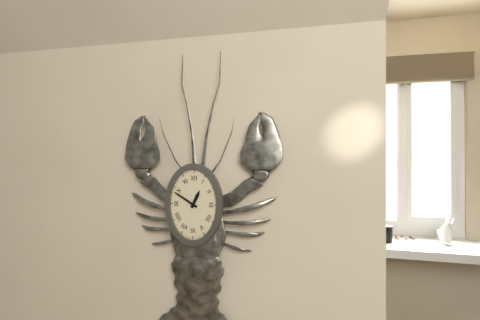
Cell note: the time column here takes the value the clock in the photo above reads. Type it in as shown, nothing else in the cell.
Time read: 12:50
